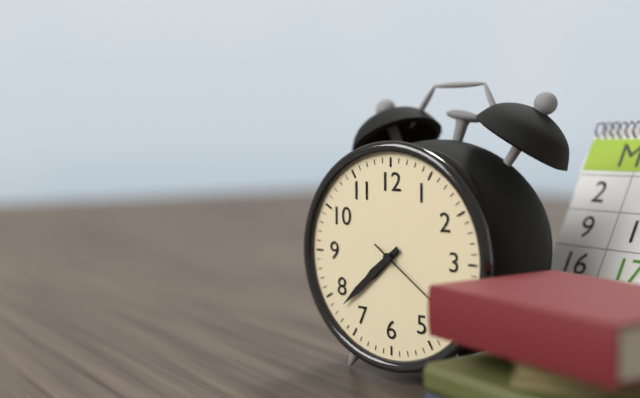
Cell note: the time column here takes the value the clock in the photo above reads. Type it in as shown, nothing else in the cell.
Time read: 7:38:21
